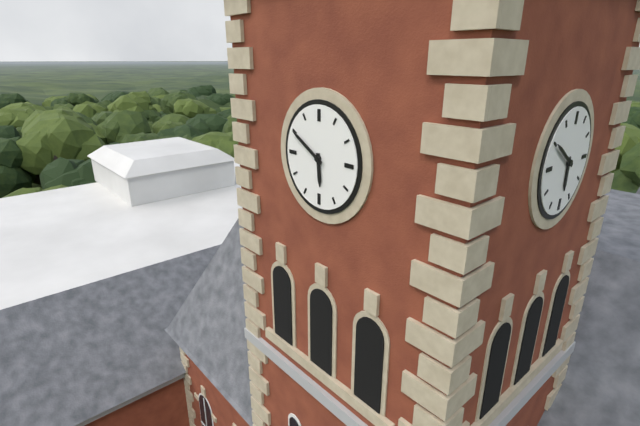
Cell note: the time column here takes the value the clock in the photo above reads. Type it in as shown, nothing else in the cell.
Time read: 5:50
